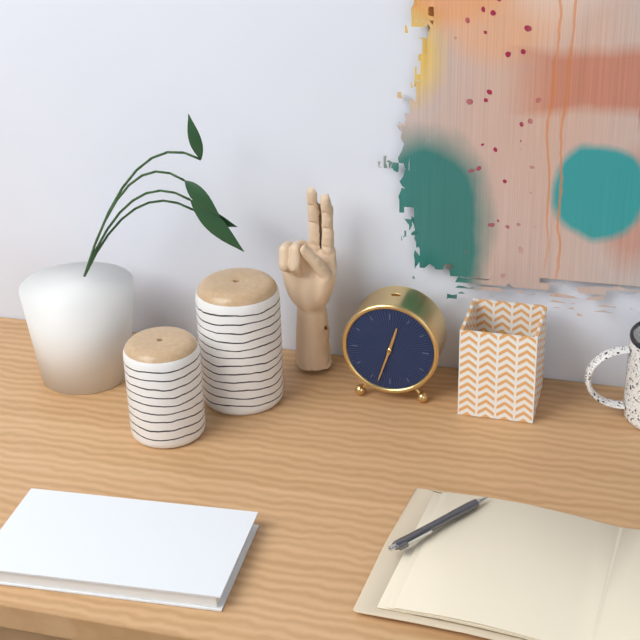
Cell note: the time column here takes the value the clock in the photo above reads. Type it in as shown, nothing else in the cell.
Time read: 12:33
